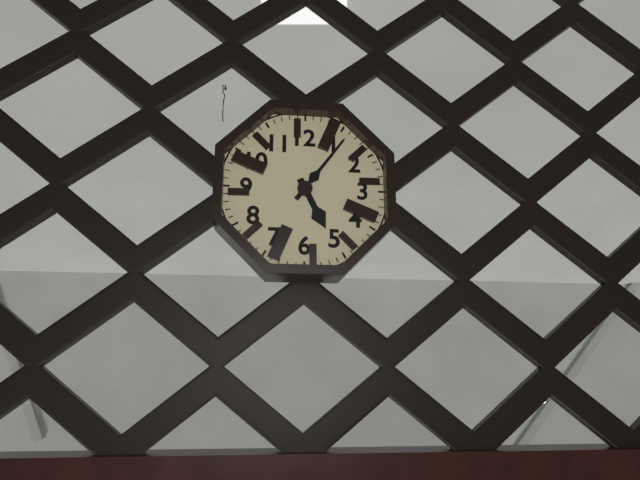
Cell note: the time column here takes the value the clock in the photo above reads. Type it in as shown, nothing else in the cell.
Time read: 5:06
